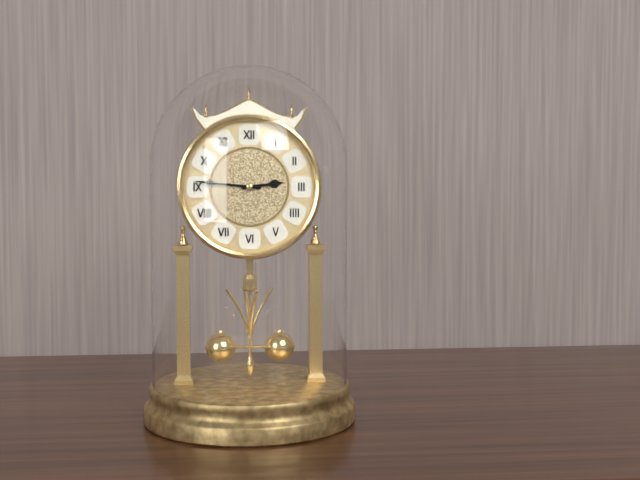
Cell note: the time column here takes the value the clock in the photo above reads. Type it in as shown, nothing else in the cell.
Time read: 2:46
